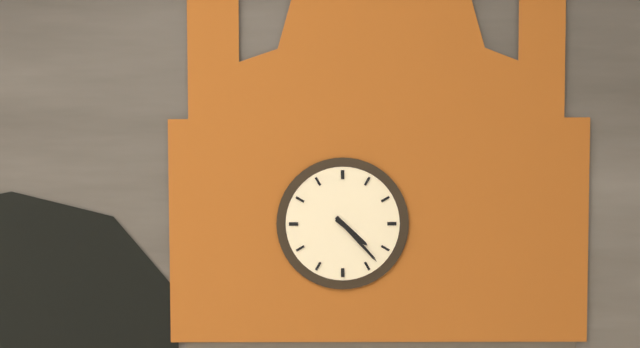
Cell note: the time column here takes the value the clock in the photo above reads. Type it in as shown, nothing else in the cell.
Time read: 4:23
